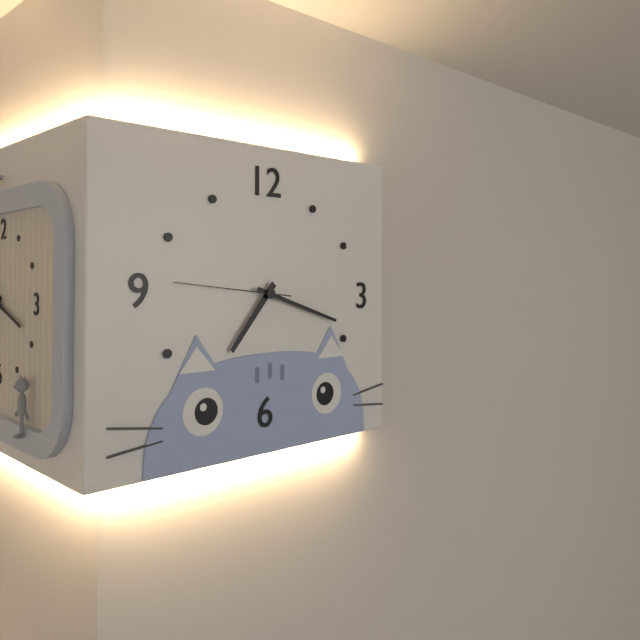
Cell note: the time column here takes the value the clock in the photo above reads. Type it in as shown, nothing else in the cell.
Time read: 7:18:46
